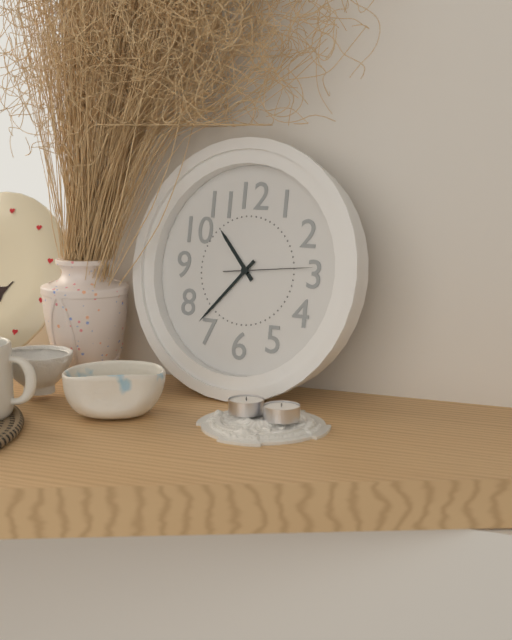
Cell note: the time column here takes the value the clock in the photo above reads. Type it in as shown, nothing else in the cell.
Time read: 10:37:14
